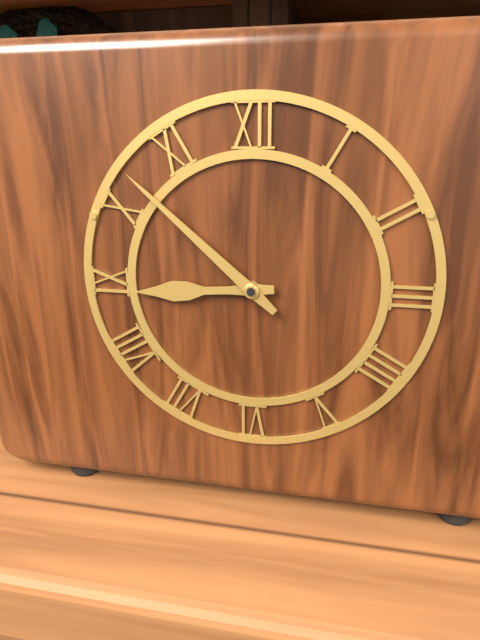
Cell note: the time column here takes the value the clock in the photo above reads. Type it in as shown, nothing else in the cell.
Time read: 8:52
